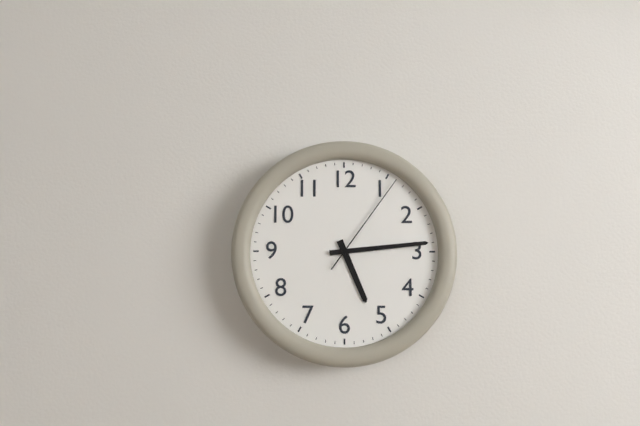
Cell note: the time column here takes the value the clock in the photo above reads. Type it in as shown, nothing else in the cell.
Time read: 5:14:06
